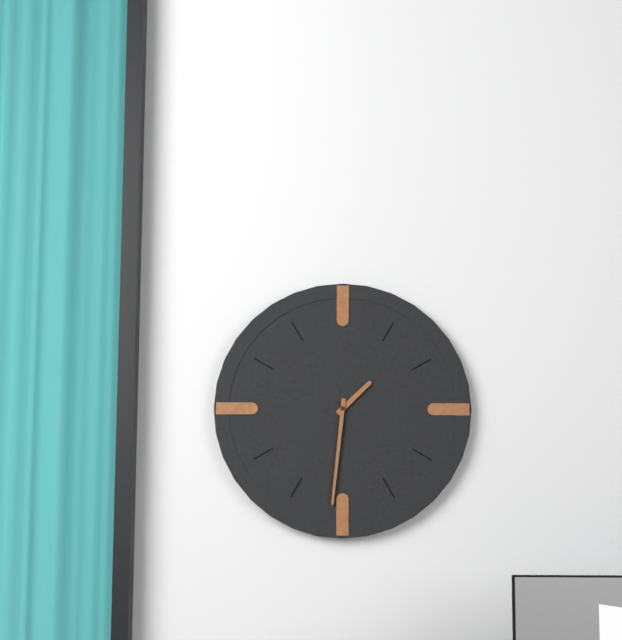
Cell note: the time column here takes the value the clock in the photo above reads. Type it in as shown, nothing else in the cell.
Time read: 1:31
